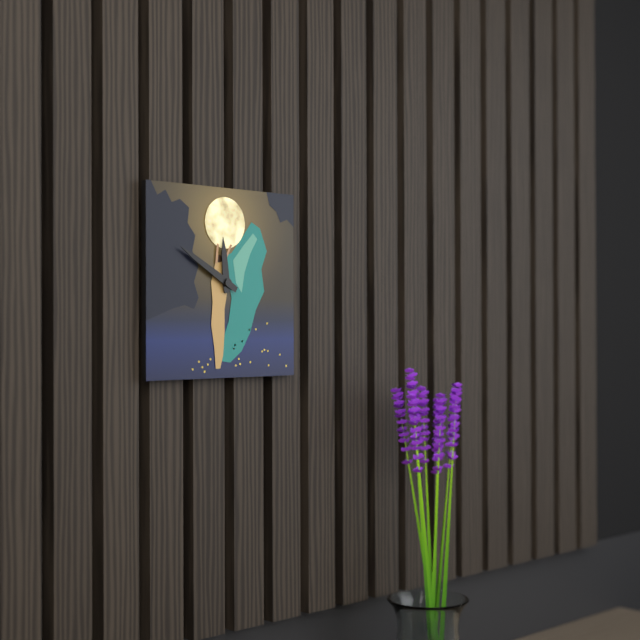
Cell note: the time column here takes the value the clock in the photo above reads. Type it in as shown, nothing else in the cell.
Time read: 11:50
